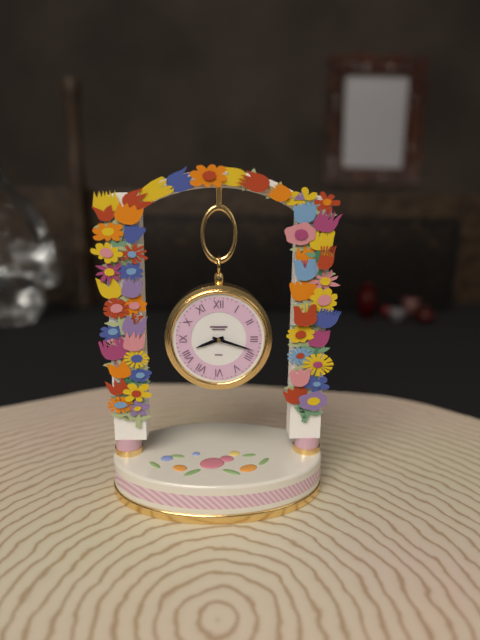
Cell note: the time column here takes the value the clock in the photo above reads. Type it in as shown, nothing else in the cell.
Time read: 8:18
